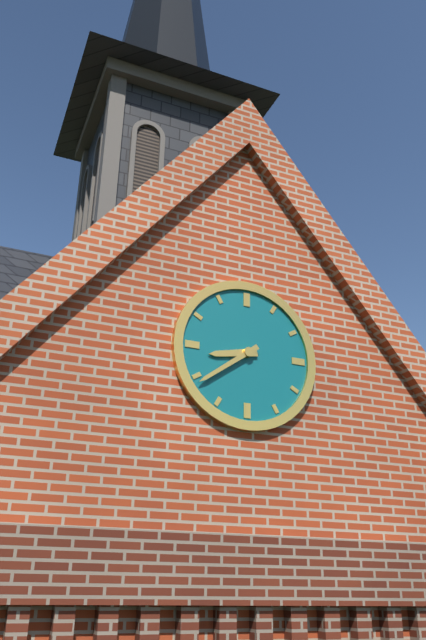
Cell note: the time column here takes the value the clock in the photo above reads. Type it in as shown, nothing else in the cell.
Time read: 8:39
